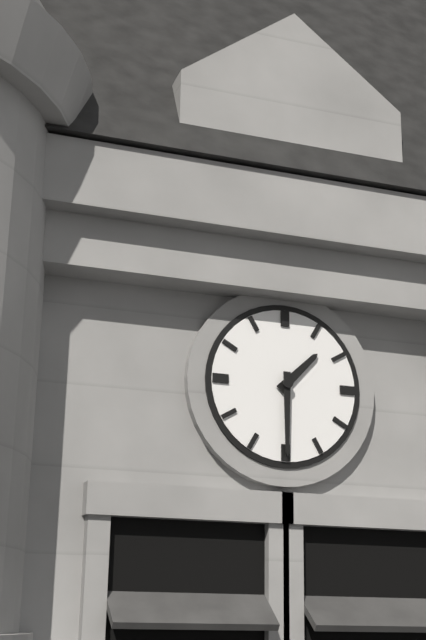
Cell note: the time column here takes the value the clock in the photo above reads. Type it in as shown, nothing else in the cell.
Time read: 1:30
